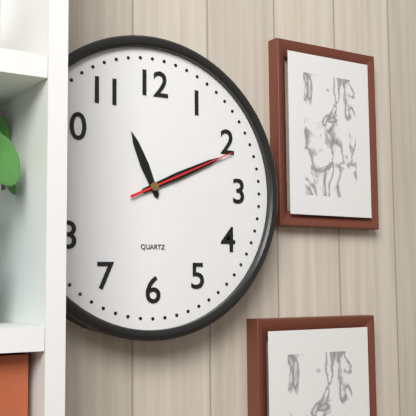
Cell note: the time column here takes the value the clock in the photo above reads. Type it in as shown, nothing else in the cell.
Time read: 11:11:11
